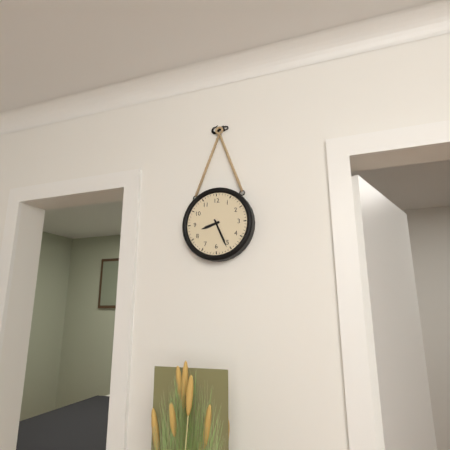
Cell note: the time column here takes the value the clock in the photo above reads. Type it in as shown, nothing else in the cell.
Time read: 8:26
